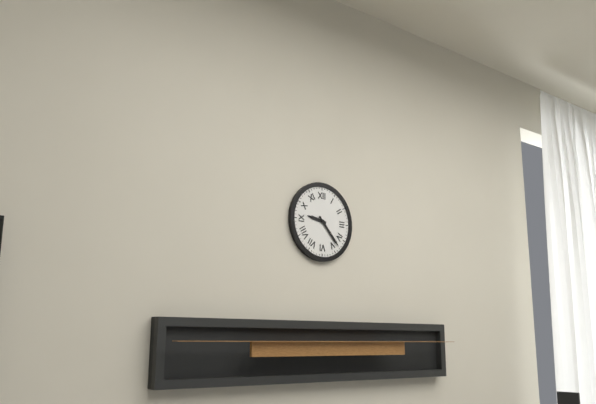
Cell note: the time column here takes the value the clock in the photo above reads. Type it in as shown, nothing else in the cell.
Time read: 9:23
